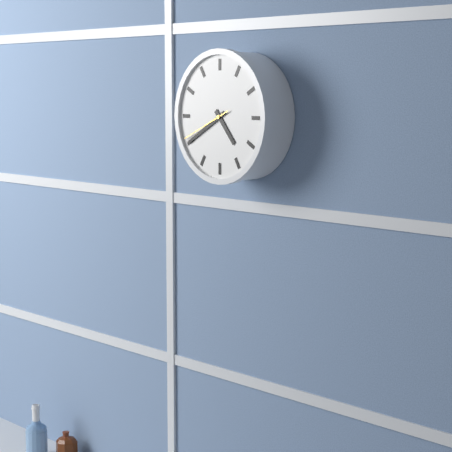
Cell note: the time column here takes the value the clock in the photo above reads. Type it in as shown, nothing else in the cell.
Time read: 4:40:41
